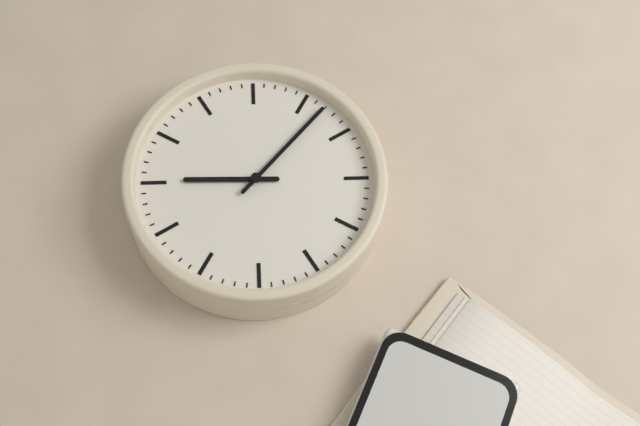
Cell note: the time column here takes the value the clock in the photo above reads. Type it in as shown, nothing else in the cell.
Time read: 8:02
